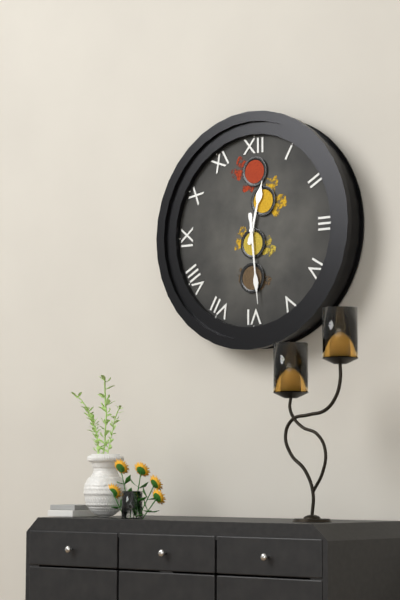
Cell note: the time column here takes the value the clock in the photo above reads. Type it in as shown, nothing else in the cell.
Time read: 12:29
